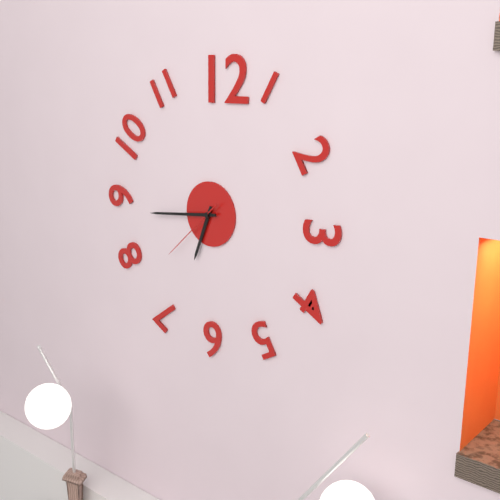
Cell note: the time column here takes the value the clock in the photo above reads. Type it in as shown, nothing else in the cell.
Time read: 6:44:38
